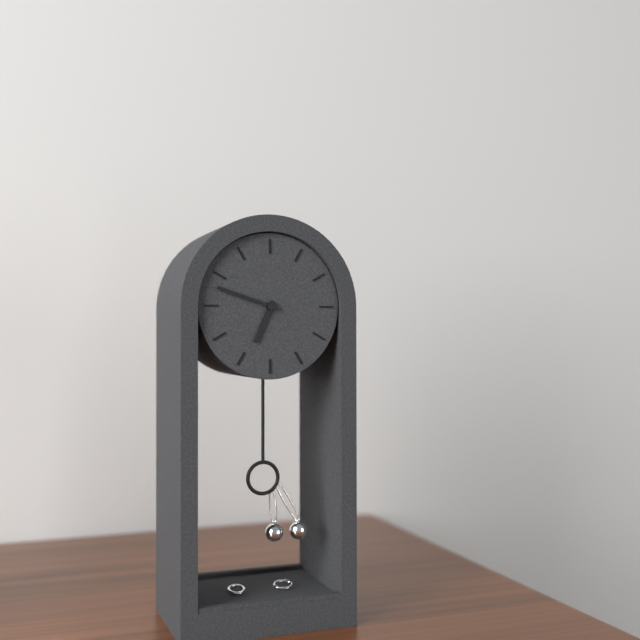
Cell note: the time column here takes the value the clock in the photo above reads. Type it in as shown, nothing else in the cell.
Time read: 6:48
